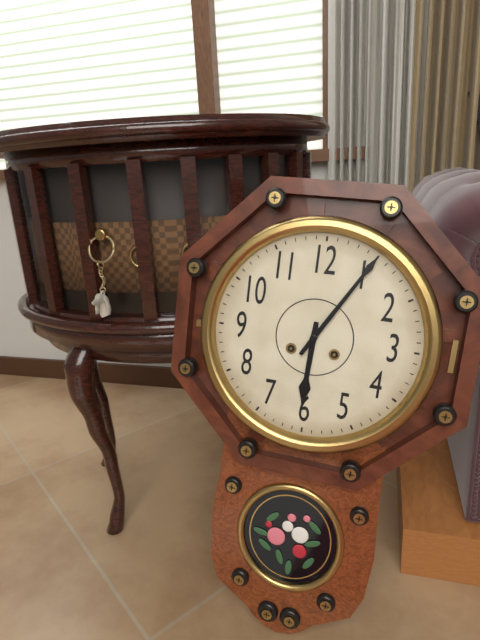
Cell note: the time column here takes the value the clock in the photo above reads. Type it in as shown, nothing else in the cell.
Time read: 6:05
